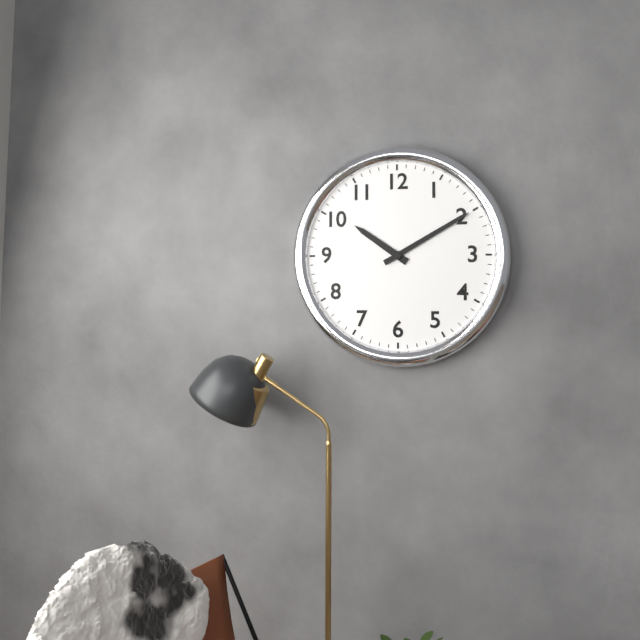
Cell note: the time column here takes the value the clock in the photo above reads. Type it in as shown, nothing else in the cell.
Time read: 10:10
